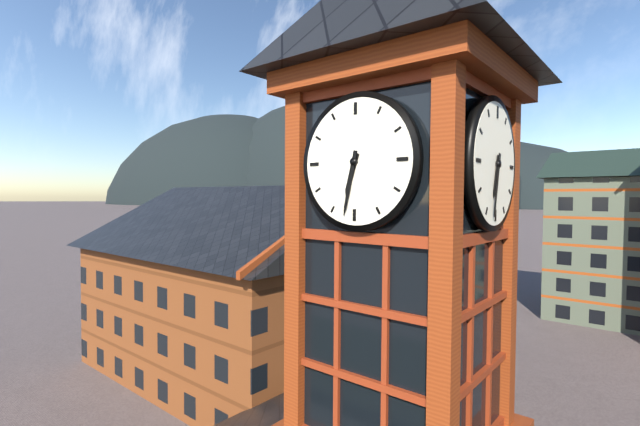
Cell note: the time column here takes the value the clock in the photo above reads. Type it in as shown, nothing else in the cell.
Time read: 6:32
